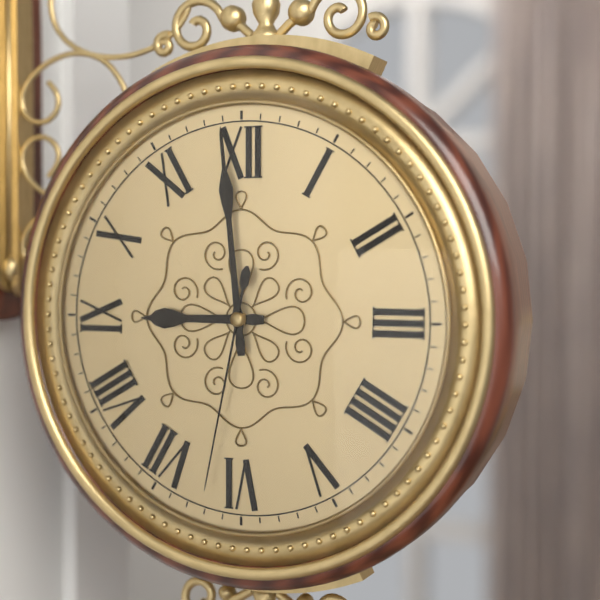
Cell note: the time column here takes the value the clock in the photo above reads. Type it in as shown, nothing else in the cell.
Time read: 8:59:32
